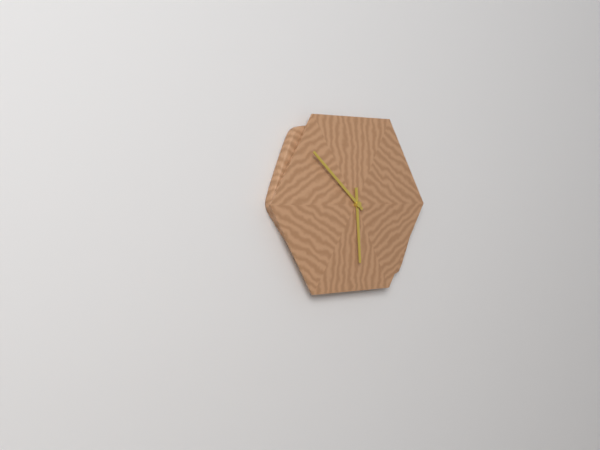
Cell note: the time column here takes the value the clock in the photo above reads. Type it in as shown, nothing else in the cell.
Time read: 5:52
